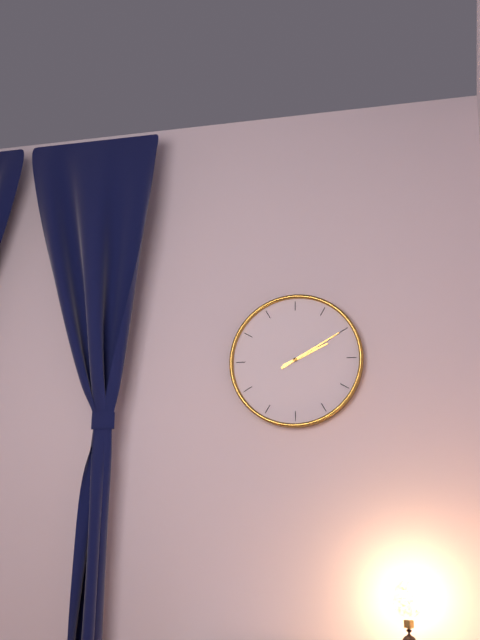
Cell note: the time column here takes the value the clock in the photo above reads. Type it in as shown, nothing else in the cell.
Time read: 2:10
